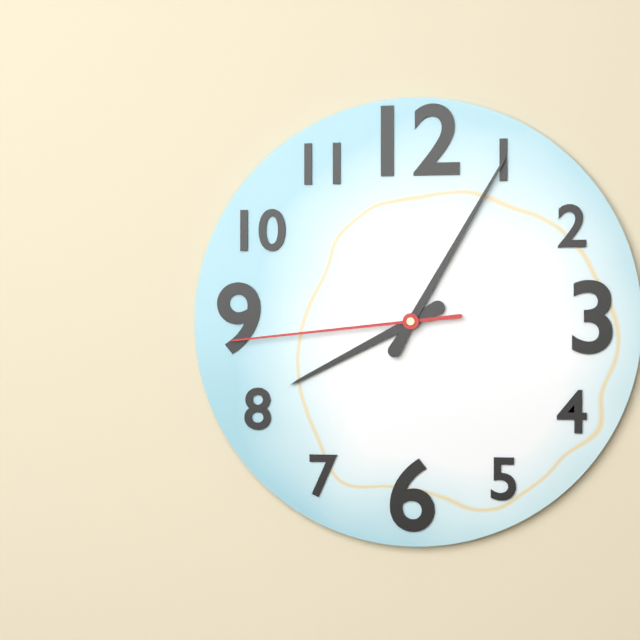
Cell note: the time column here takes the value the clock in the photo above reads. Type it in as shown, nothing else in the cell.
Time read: 8:05:44
